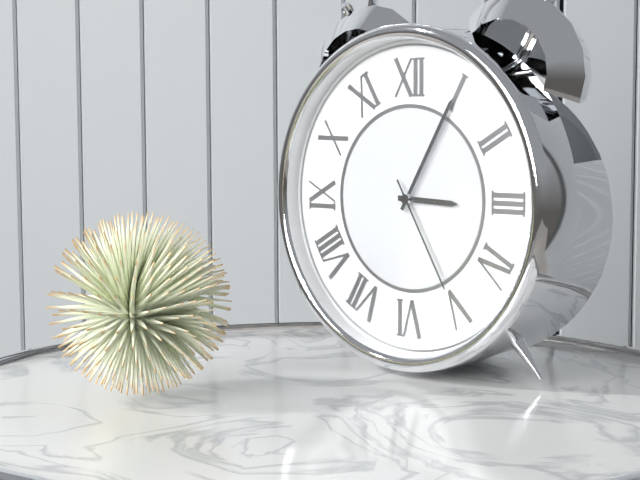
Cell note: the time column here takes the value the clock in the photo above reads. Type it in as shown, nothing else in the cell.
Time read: 3:05:25
